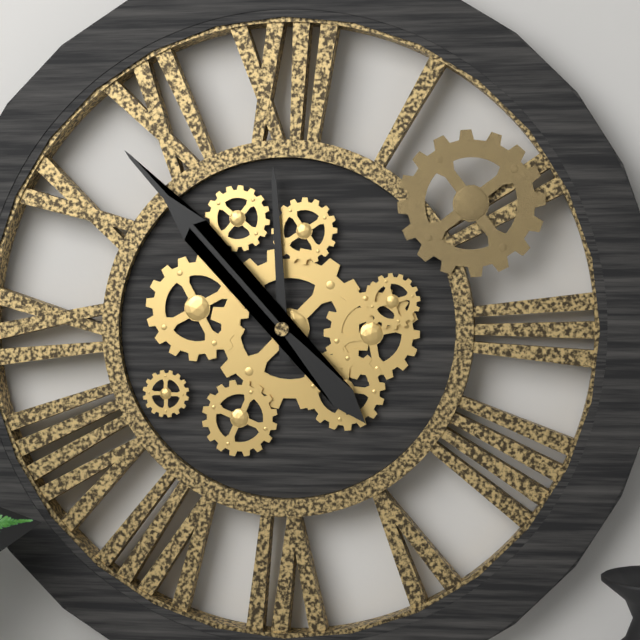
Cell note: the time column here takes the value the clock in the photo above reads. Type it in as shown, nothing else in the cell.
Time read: 11:53
